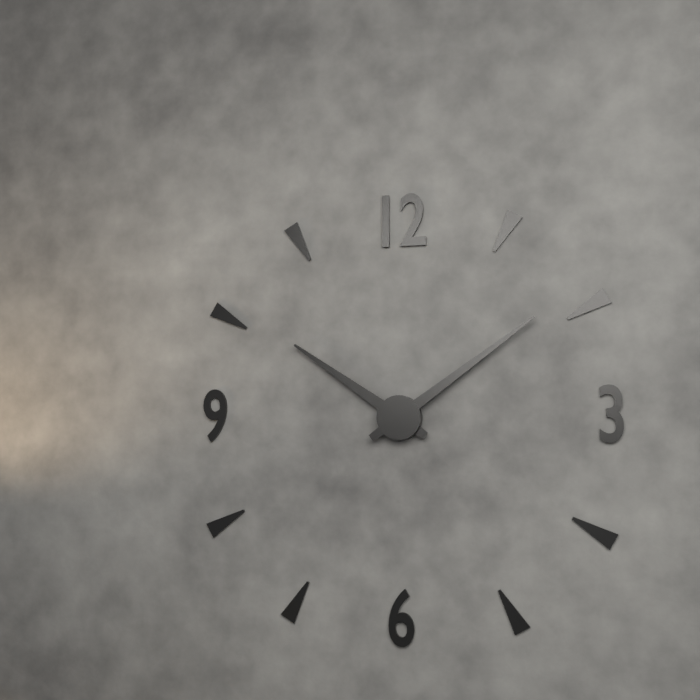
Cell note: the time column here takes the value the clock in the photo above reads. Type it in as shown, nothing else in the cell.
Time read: 10:09
